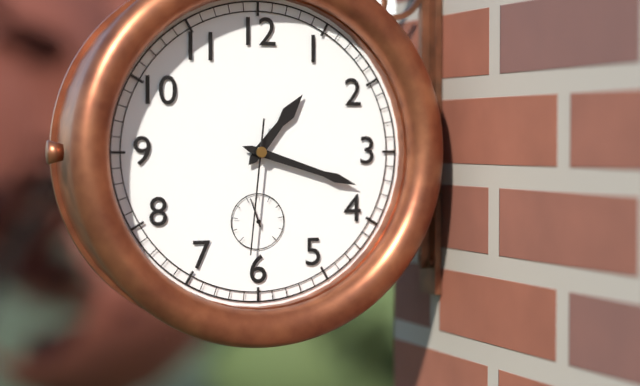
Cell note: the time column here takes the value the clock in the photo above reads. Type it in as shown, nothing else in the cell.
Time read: 1:18:31
